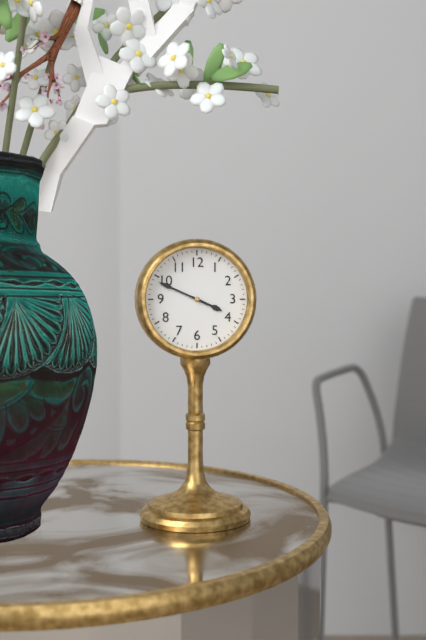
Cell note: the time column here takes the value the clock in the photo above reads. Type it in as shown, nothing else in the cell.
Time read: 3:49
